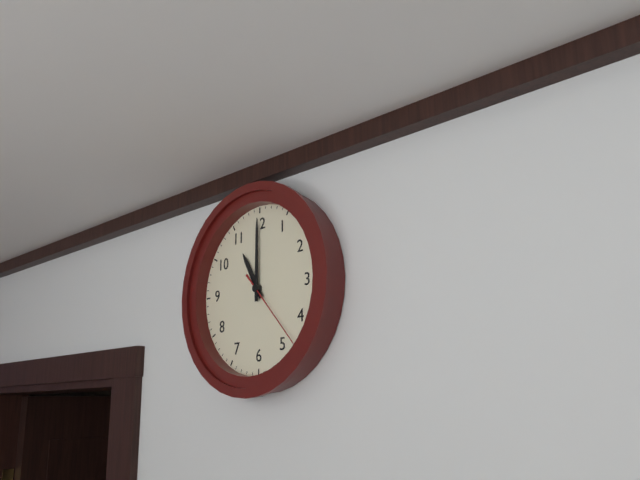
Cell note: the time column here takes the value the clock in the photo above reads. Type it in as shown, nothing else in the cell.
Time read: 11:00:23
